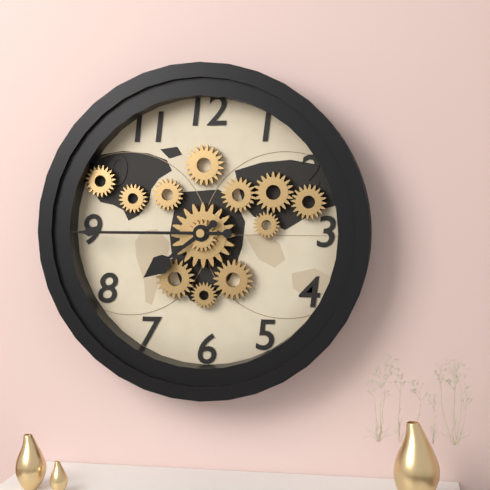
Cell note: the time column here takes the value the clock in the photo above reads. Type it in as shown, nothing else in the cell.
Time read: 7:45
